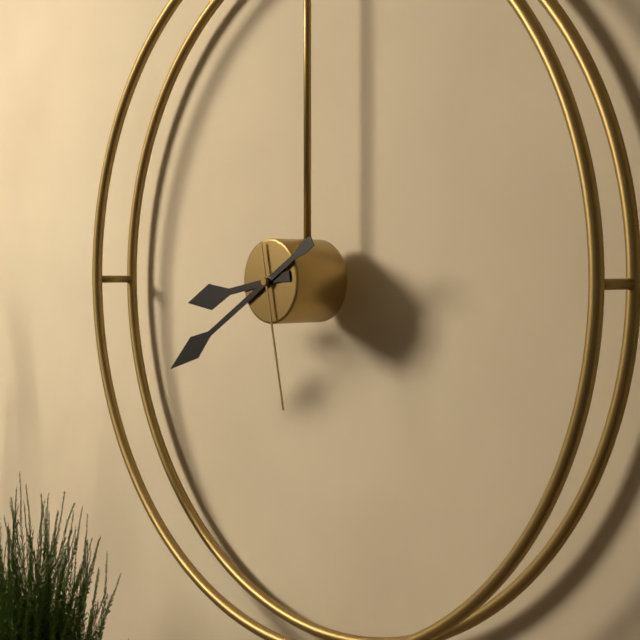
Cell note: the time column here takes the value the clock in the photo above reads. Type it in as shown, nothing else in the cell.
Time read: 8:40:28
